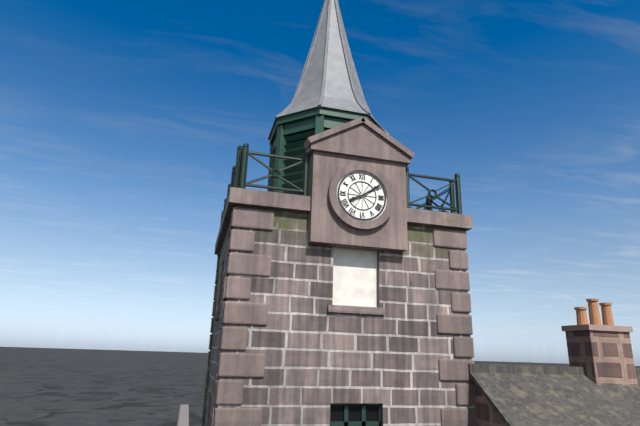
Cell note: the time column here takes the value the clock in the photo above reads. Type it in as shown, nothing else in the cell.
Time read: 8:09
